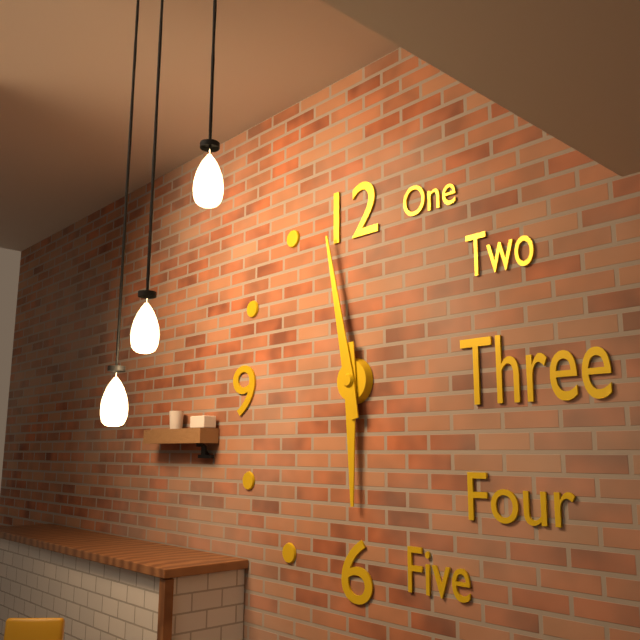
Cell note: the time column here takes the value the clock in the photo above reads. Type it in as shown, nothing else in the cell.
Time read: 5:58
